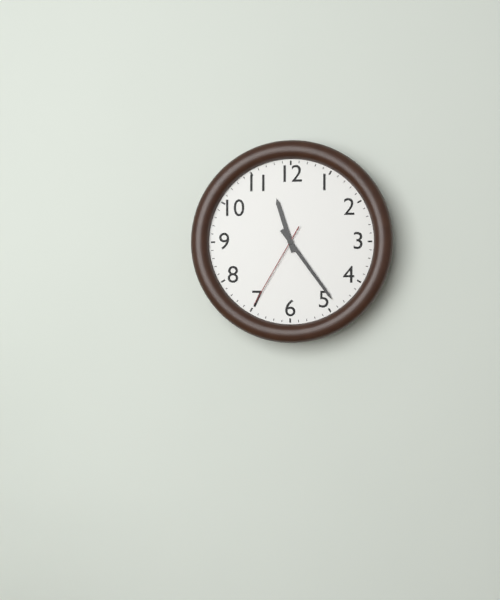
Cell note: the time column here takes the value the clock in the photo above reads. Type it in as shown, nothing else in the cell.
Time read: 11:24:35
